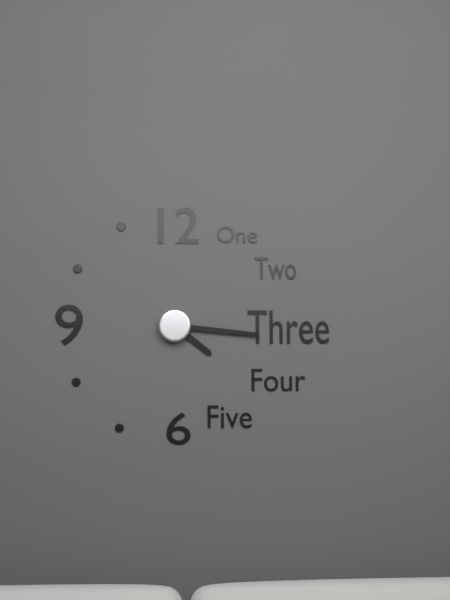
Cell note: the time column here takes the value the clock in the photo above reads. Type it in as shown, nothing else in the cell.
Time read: 4:16
